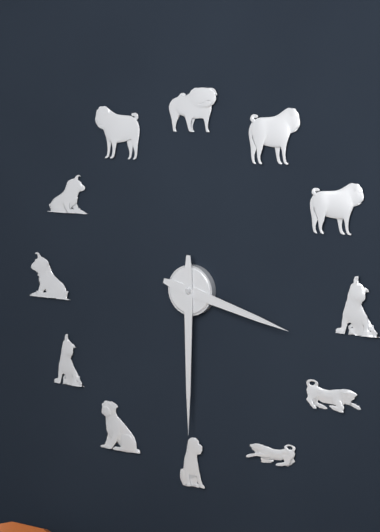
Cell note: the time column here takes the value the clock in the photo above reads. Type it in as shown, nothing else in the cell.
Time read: 3:30
